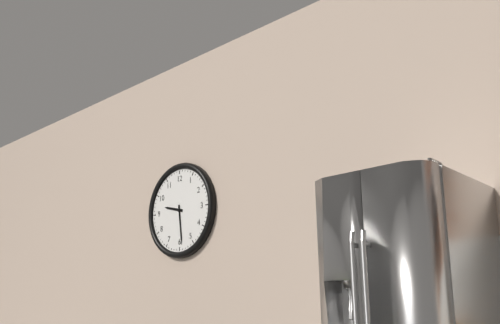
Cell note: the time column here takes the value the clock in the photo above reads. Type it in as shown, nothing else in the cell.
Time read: 9:29
